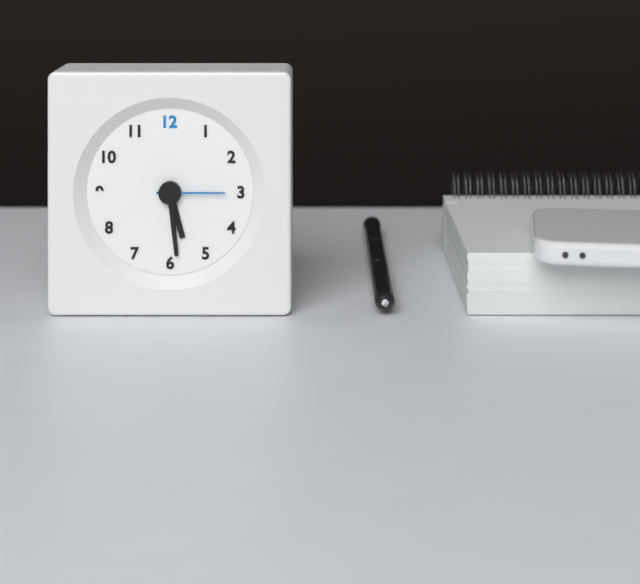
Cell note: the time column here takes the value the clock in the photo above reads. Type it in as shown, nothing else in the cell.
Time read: 5:29:15
